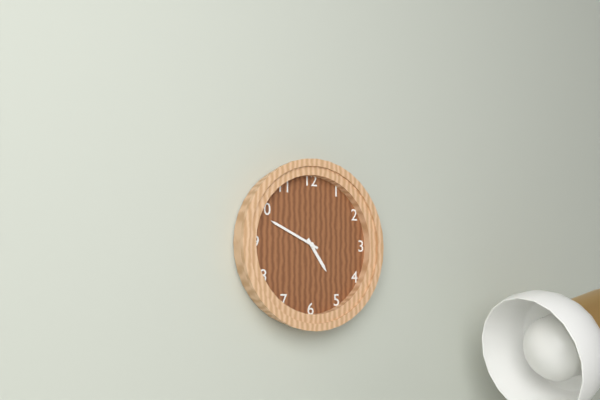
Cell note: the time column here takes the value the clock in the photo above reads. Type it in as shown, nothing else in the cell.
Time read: 4:49
